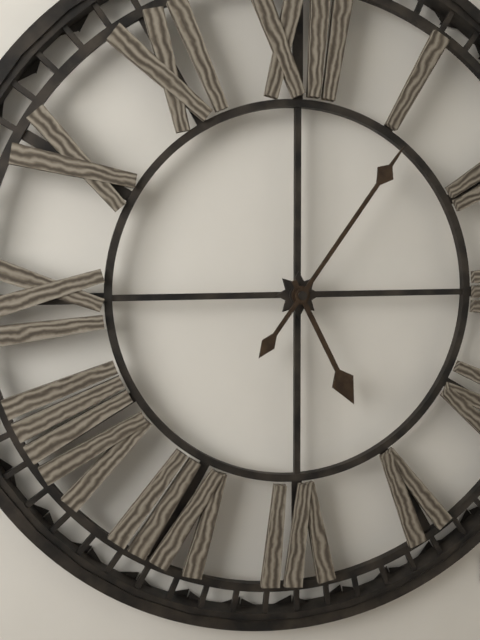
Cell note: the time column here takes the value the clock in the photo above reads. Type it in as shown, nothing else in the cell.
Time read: 5:06
